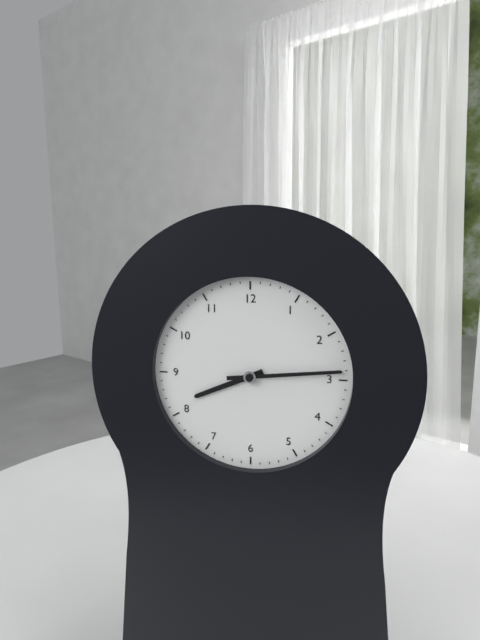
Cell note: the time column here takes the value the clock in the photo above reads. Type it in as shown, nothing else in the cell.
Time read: 8:14
